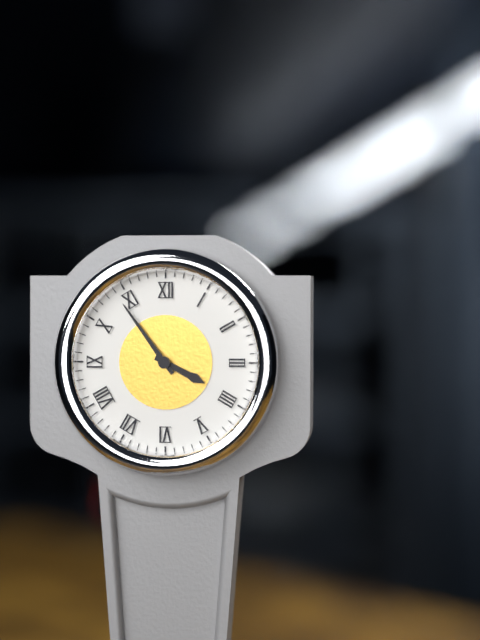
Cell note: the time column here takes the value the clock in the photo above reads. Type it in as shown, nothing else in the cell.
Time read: 3:54
